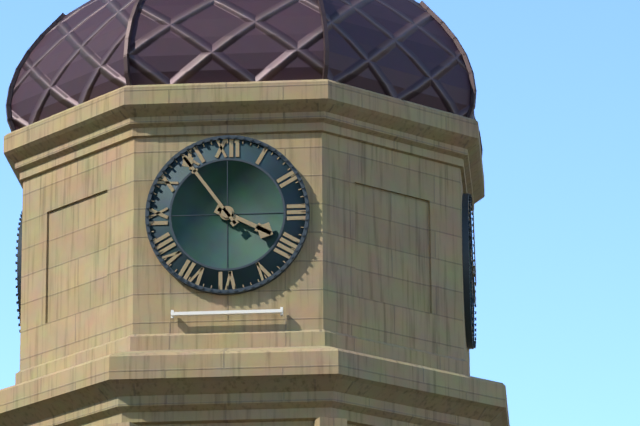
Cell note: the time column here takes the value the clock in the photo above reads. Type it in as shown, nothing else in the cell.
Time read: 3:54
